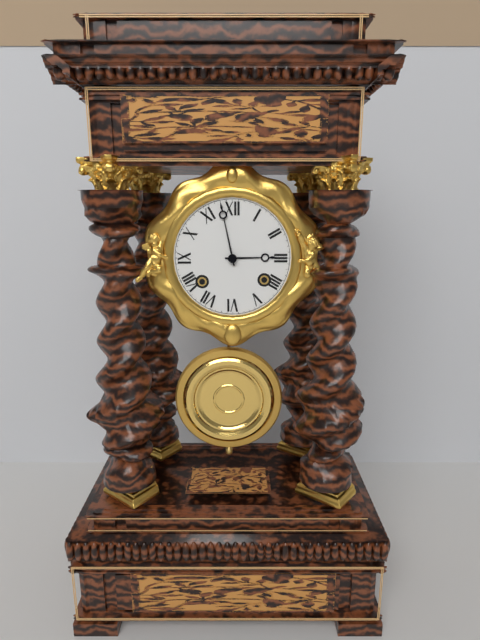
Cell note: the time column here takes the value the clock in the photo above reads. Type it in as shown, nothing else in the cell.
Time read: 2:58
